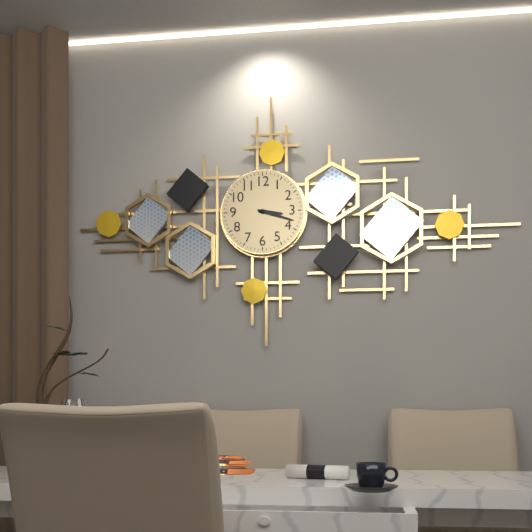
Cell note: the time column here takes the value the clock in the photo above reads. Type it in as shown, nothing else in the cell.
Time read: 3:18
